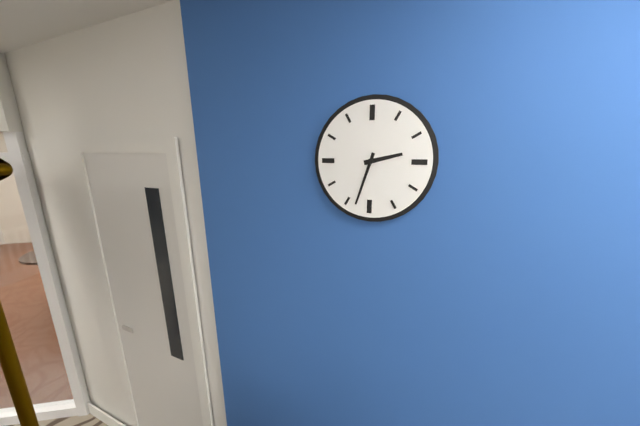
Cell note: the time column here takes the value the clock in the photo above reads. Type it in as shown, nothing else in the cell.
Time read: 2:33
